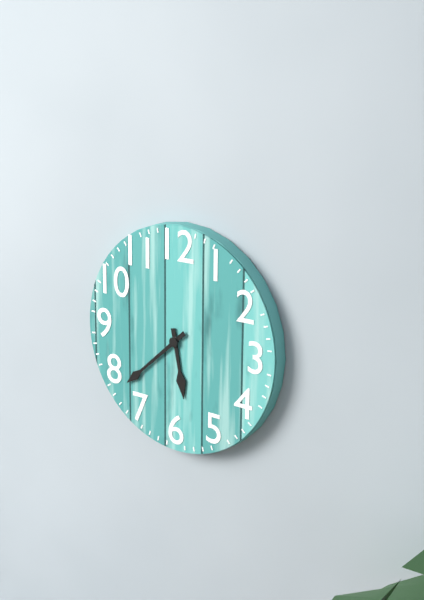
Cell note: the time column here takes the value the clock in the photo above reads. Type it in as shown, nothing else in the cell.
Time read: 5:38
